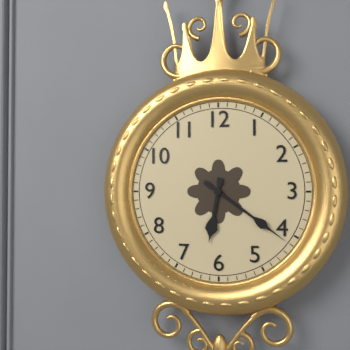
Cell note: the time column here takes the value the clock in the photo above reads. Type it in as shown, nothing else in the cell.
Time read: 6:21
